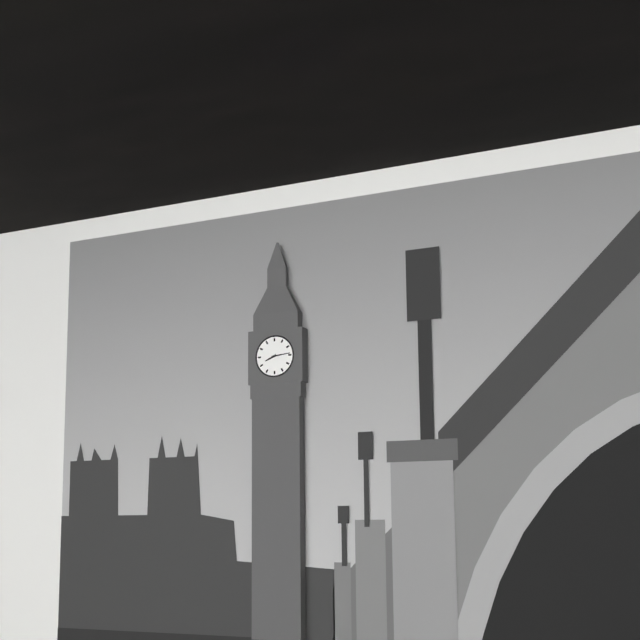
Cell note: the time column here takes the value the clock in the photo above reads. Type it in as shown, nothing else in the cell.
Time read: 8:14
